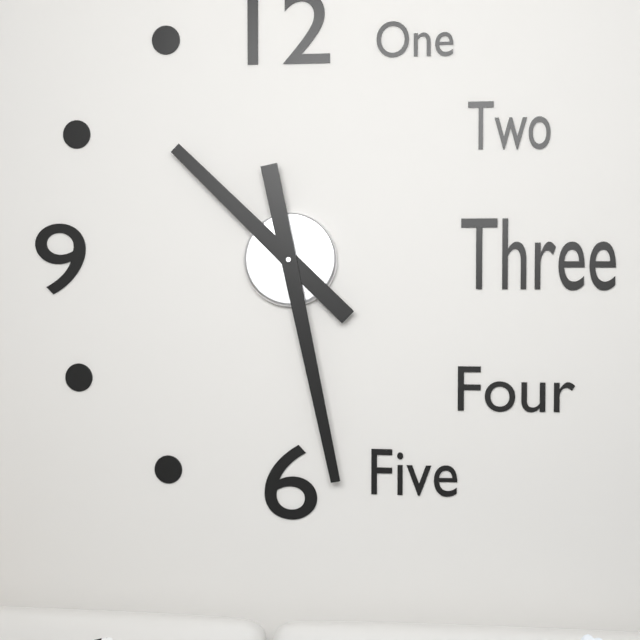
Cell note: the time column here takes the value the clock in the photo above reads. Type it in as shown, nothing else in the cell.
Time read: 10:28
